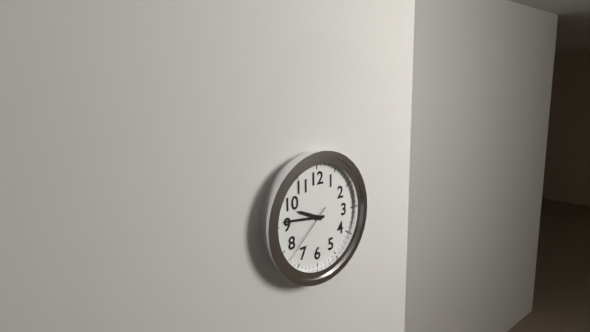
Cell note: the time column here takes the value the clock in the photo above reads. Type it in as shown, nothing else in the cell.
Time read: 9:46:38
